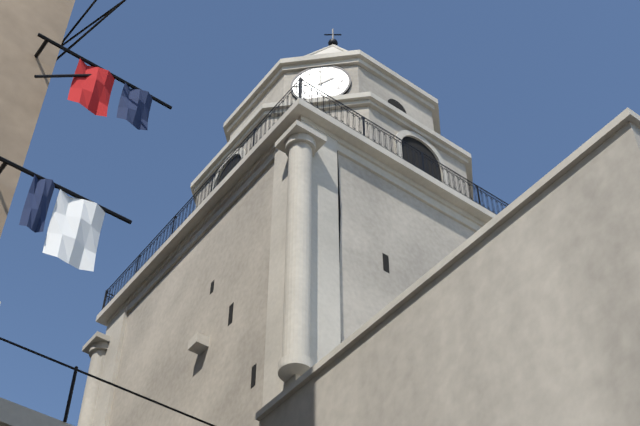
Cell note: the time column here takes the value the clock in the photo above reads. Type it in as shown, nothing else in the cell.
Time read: 2:00
